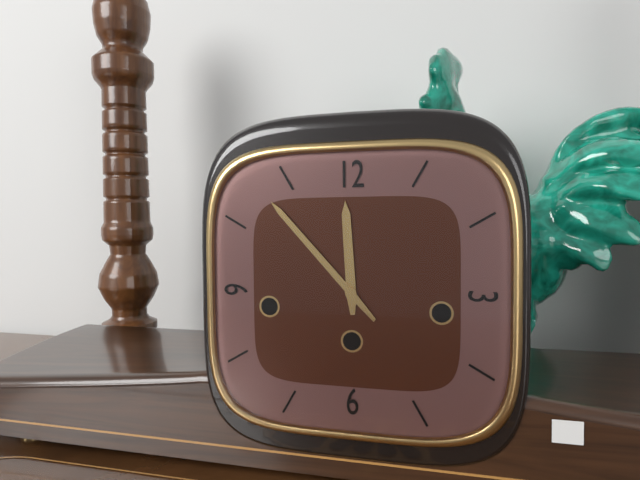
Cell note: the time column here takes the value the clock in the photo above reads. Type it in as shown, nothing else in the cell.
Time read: 11:53
